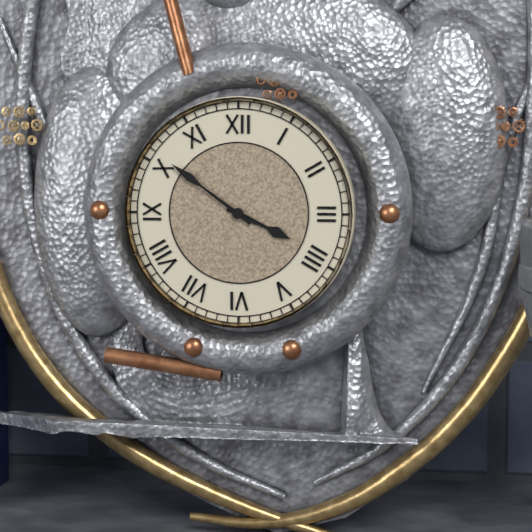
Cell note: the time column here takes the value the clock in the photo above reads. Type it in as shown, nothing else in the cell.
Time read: 3:51
